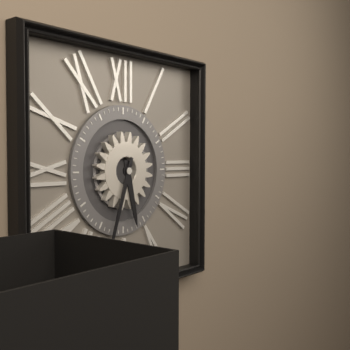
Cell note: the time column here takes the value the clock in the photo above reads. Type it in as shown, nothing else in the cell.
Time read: 5:33
